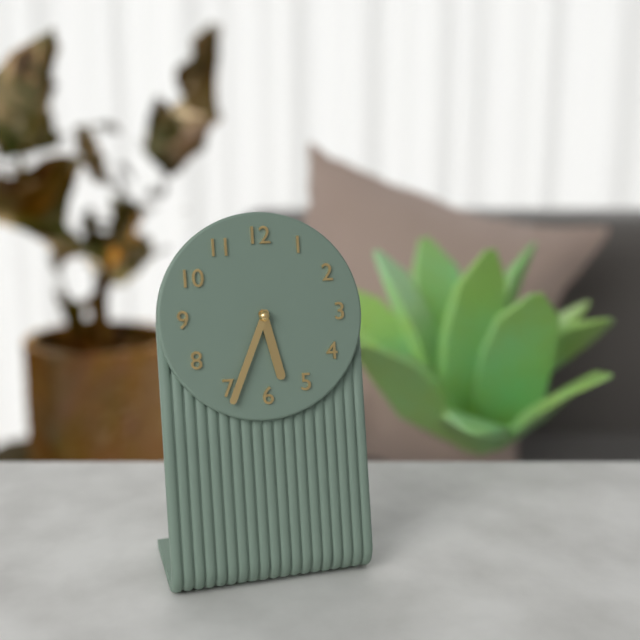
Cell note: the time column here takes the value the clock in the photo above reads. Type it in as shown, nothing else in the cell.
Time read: 5:34
